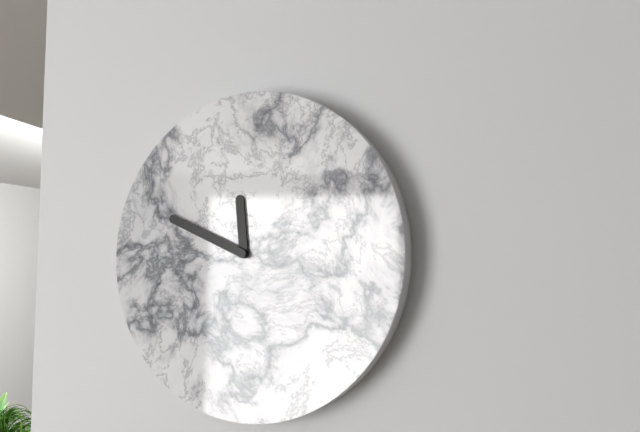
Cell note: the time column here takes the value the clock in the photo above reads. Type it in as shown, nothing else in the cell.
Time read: 11:49
